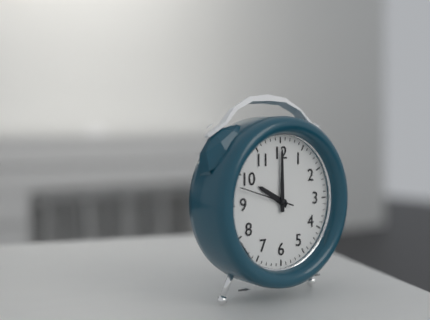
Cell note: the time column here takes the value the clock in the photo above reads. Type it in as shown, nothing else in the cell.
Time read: 10:00
